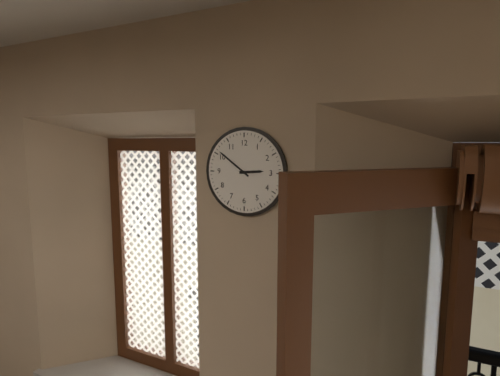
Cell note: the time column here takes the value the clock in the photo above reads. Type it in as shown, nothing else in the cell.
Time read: 2:51
